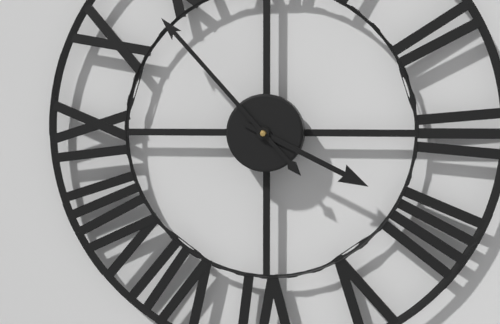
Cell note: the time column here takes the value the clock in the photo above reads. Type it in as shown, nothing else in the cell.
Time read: 3:53
